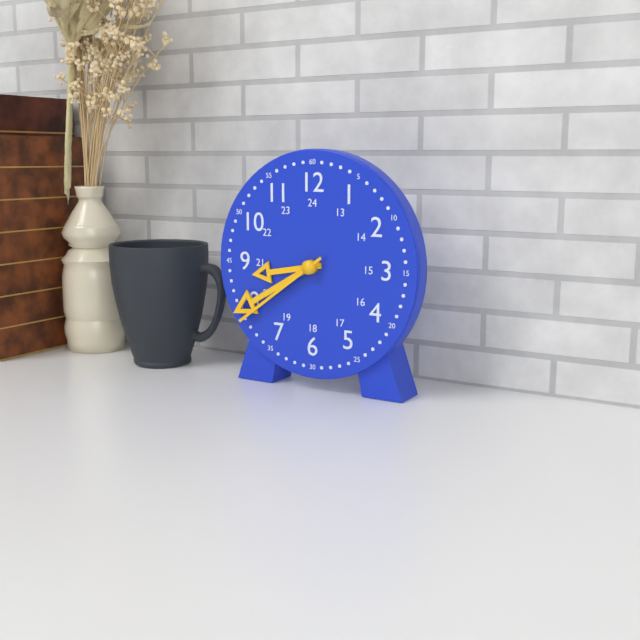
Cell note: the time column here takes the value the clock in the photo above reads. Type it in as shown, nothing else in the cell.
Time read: 8:40:39
